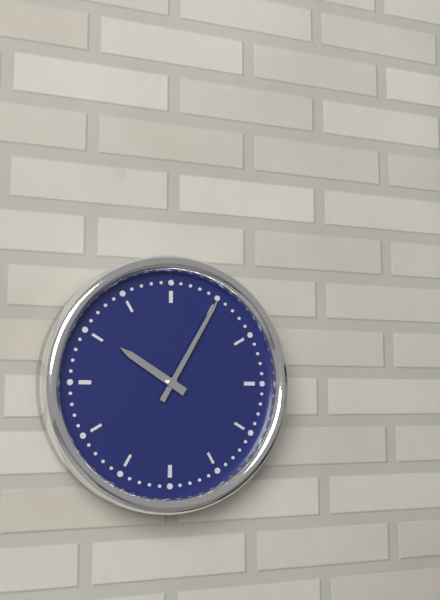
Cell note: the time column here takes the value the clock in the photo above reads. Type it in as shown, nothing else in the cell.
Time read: 10:05
